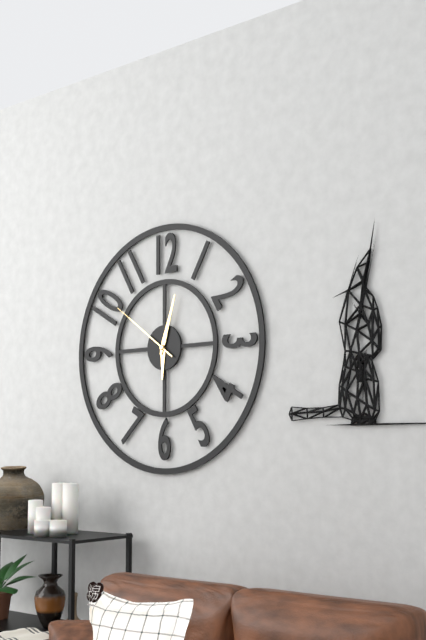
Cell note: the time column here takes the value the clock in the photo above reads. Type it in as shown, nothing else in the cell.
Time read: 6:03:51
